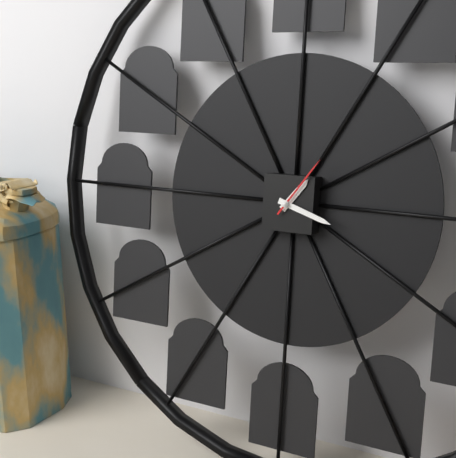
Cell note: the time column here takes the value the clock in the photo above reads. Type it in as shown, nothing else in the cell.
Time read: 1:18:06
